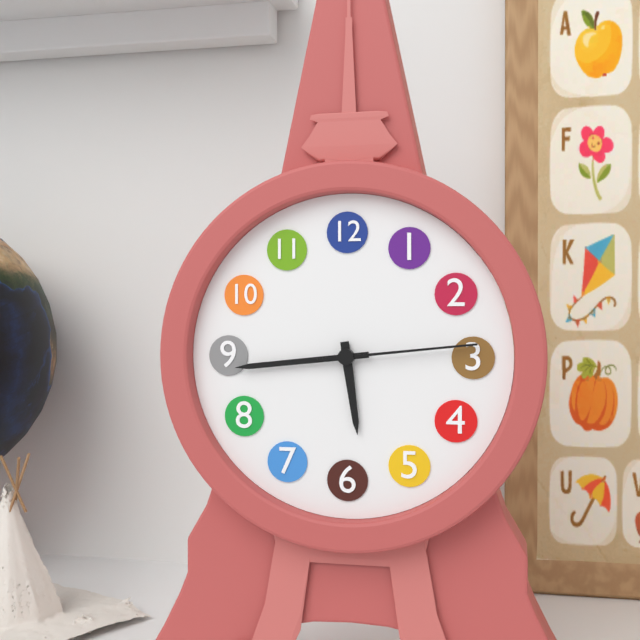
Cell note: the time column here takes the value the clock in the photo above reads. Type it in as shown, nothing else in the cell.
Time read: 5:44:14
